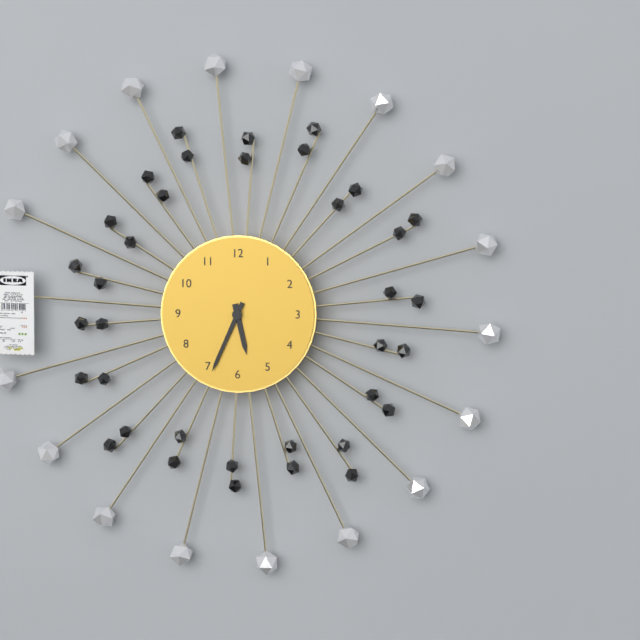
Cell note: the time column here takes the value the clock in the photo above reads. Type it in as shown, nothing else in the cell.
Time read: 5:34
